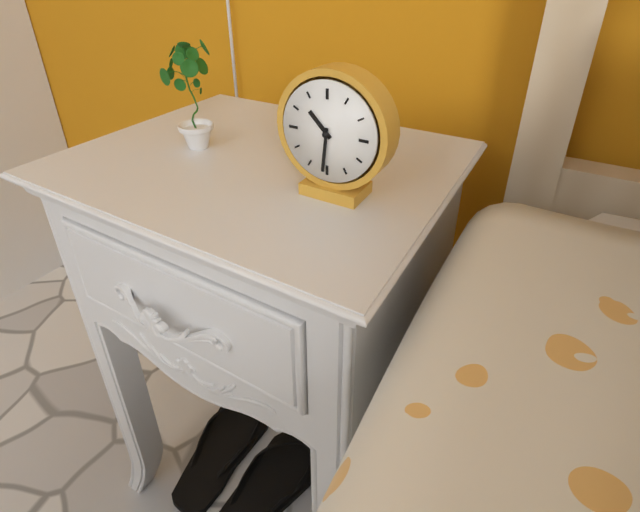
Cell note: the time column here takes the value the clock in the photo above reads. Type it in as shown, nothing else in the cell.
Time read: 10:31
